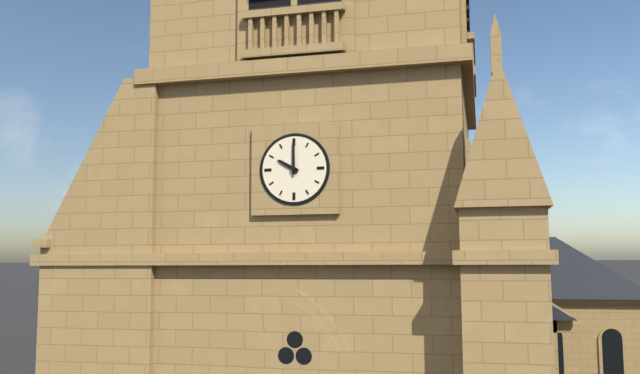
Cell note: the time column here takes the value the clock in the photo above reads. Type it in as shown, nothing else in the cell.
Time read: 10:00
